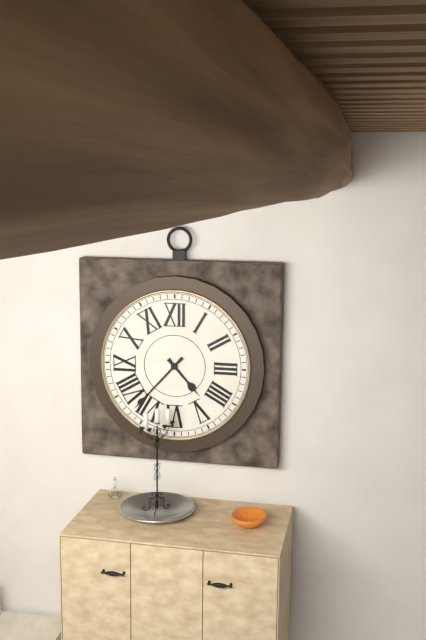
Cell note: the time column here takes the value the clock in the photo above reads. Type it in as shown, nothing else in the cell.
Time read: 4:37
